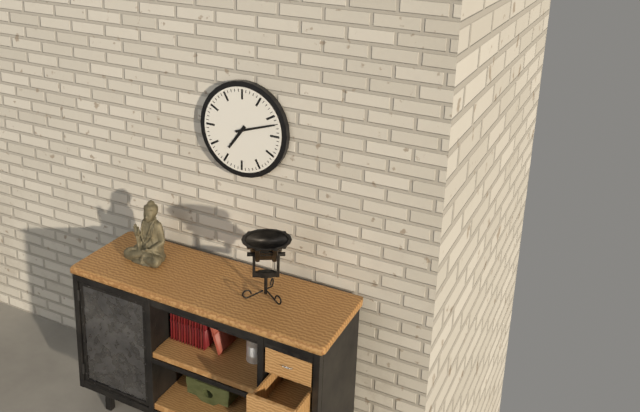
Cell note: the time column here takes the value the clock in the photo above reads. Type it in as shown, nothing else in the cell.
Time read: 7:12
